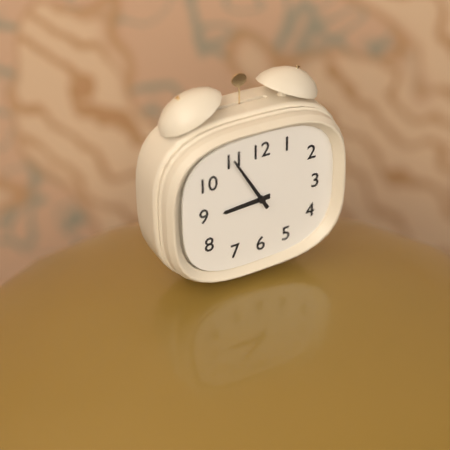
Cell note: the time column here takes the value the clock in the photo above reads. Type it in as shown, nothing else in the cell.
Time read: 8:55
